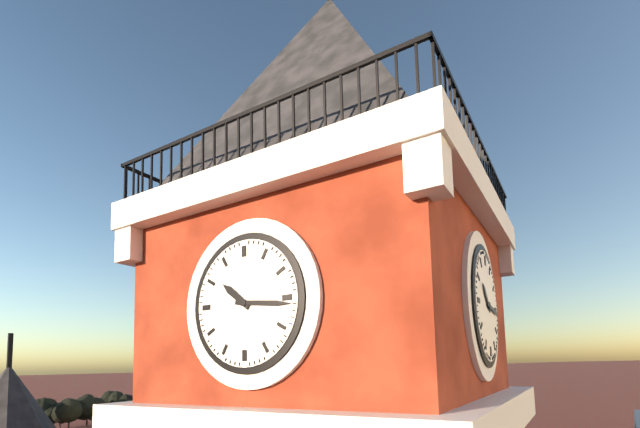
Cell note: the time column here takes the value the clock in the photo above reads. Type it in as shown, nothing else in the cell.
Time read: 10:16
